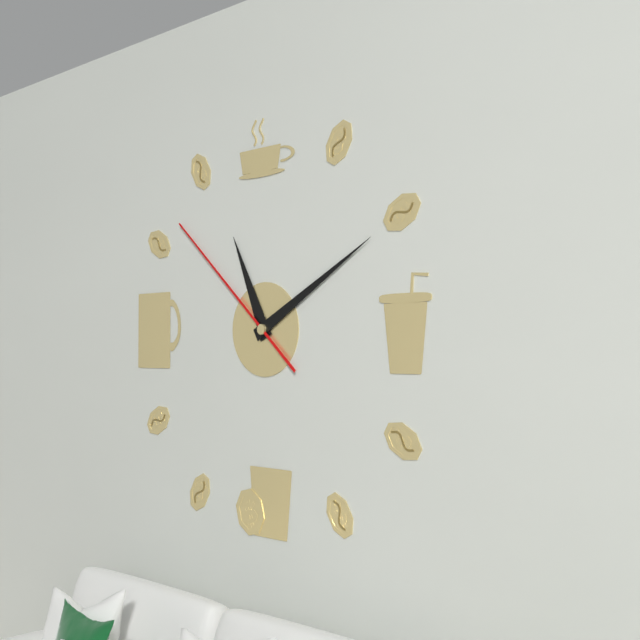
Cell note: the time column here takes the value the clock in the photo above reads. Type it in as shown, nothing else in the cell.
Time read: 11:10:52
